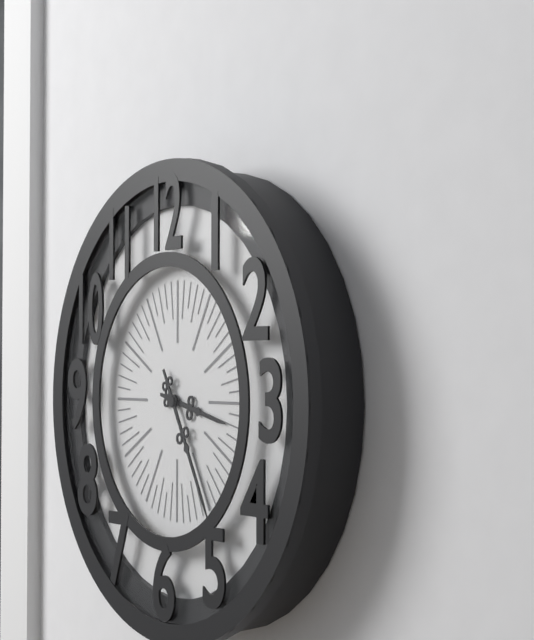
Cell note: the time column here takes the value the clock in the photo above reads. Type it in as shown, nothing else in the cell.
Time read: 3:25
